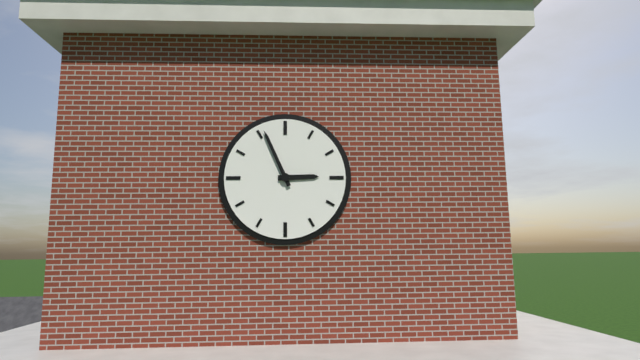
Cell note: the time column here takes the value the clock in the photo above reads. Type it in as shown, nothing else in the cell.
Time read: 2:56
